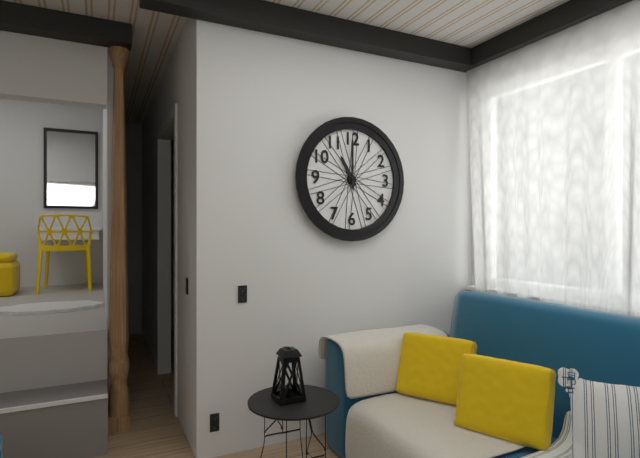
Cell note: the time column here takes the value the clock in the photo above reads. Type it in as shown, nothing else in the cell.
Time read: 11:00
